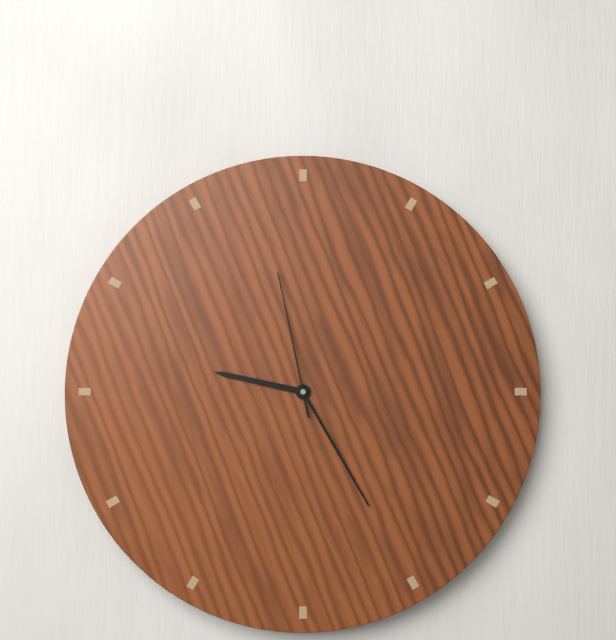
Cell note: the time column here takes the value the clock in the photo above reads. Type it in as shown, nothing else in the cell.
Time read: 9:25:58
